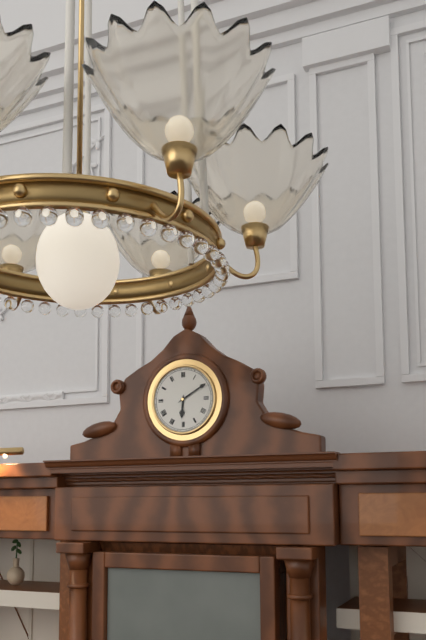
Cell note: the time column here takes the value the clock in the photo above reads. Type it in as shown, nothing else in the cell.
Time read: 6:10
